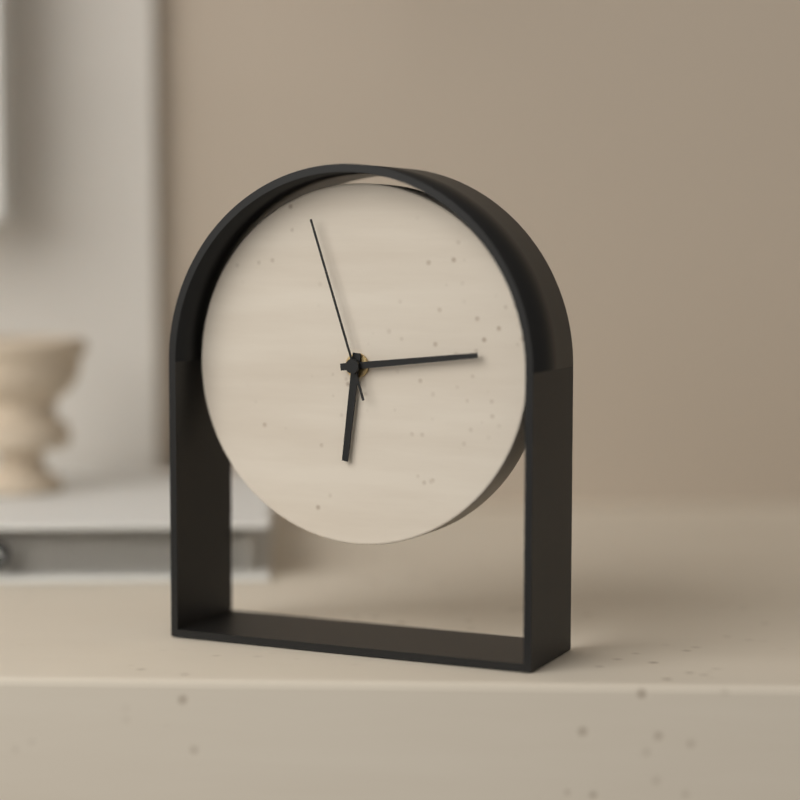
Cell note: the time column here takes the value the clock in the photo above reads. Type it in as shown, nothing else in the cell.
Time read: 6:14:57
